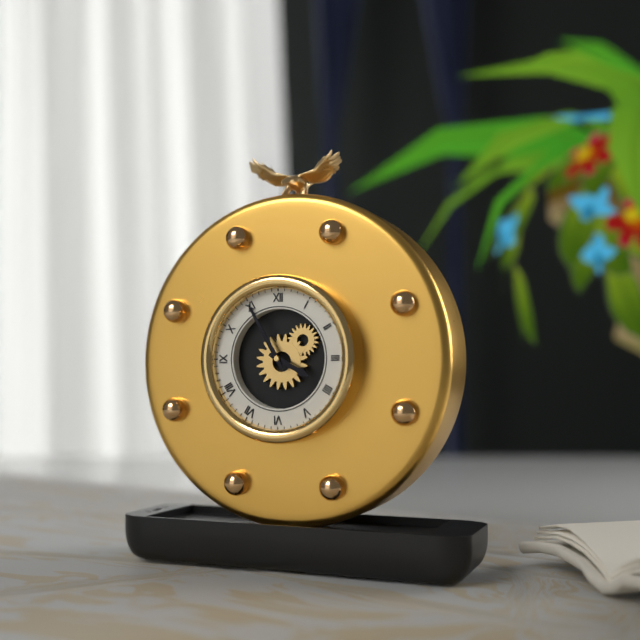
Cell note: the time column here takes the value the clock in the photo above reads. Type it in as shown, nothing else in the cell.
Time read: 3:55
